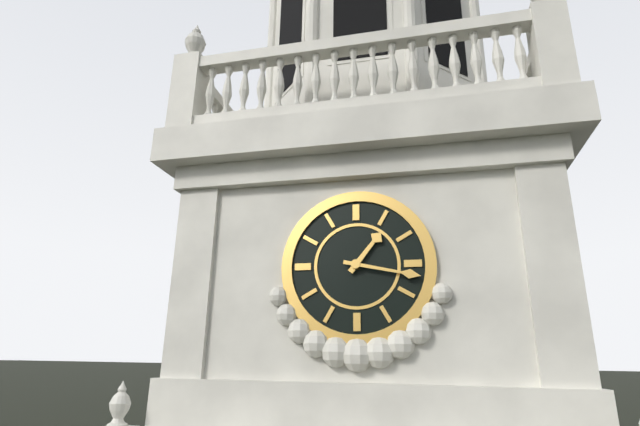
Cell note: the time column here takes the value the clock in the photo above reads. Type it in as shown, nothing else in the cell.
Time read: 1:17
